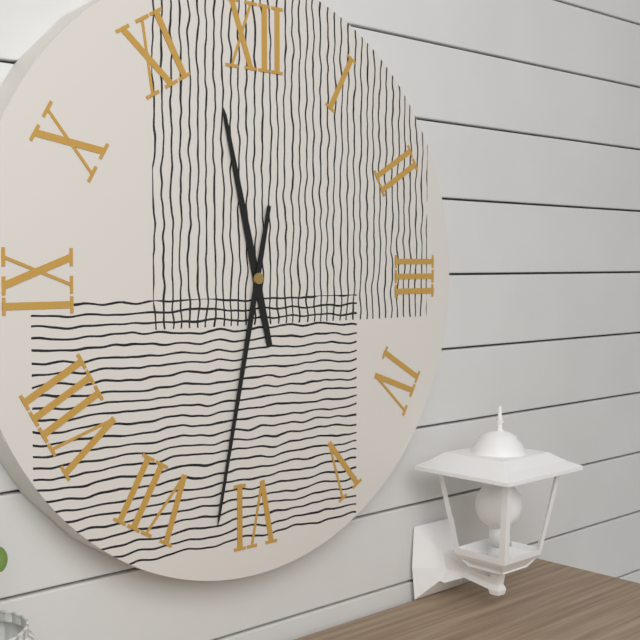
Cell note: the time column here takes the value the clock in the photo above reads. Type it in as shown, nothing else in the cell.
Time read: 11:32
